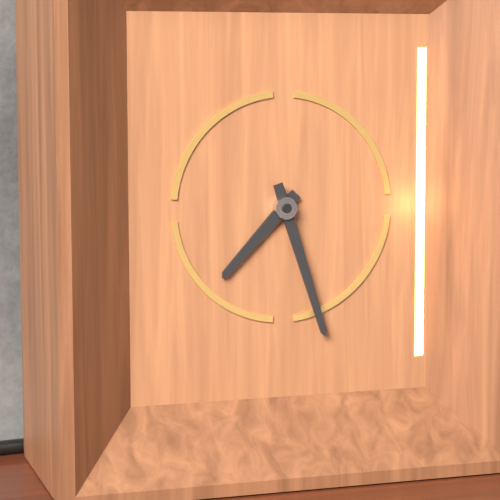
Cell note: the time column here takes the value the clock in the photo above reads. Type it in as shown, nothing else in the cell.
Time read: 7:27
